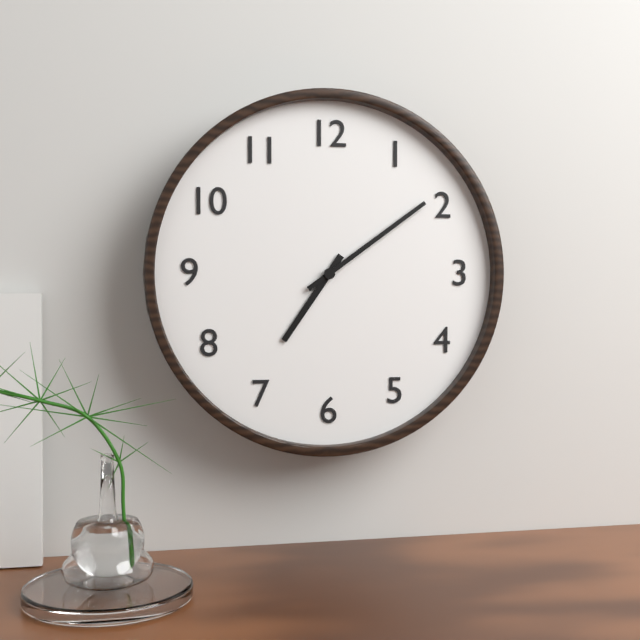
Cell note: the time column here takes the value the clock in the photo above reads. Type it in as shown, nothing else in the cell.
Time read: 7:09
